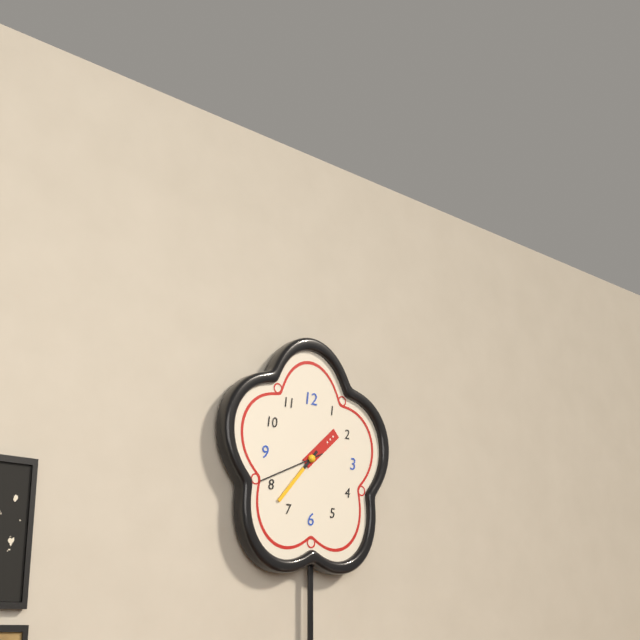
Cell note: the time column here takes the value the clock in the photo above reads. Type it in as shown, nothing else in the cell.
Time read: 1:37:41
